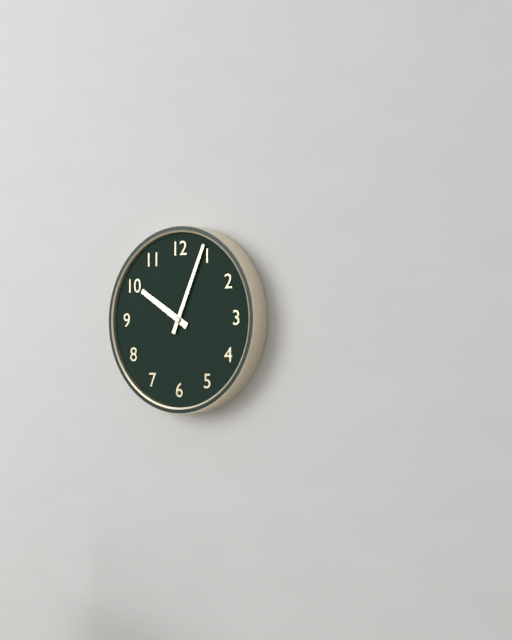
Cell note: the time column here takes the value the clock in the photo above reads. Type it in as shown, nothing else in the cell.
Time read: 10:04
